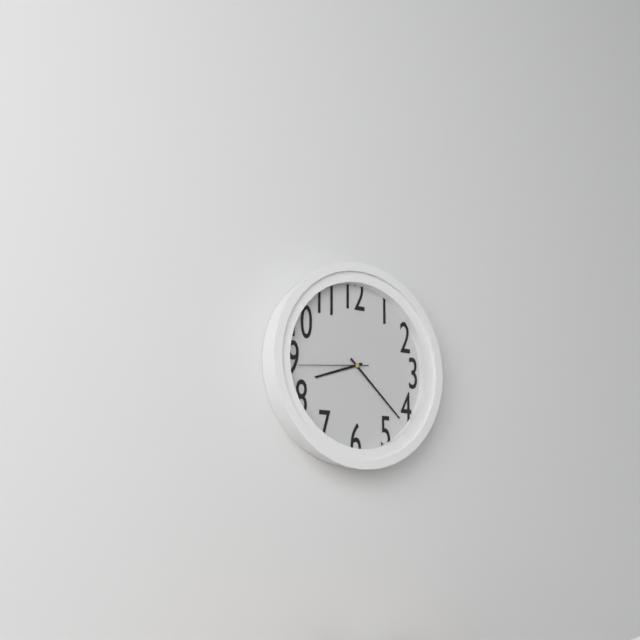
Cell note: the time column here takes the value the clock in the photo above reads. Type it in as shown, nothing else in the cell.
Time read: 8:22:44
